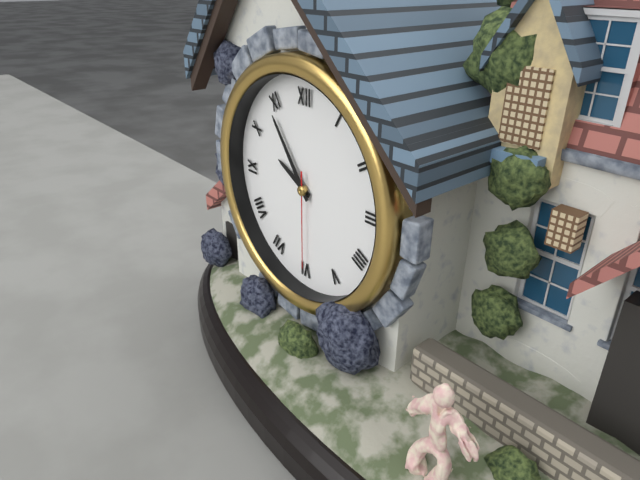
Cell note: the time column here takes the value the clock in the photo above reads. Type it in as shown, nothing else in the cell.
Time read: 9:54:30
